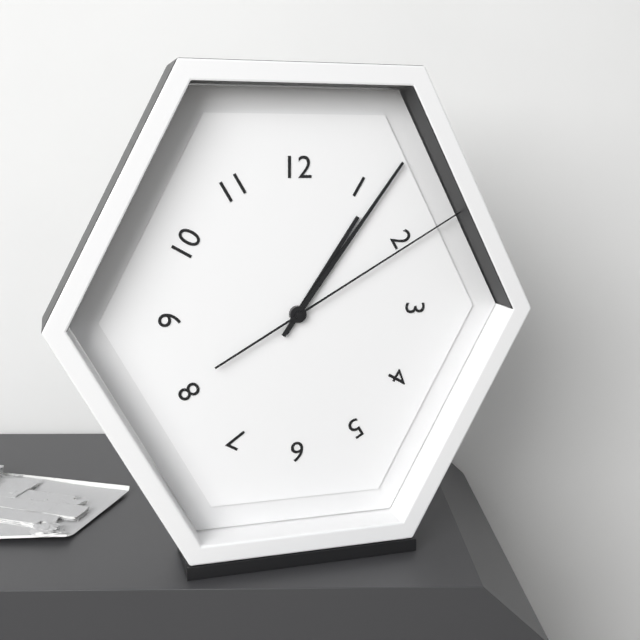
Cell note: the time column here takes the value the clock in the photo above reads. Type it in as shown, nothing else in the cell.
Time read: 1:06:10
